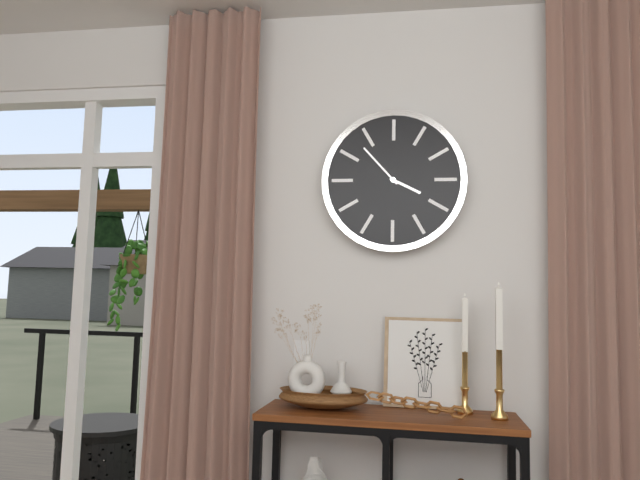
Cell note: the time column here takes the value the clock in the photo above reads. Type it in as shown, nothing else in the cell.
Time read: 3:53
